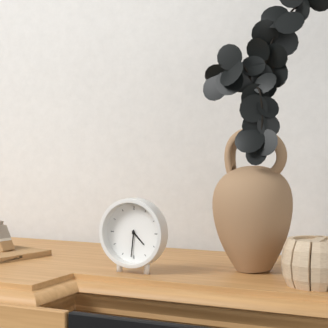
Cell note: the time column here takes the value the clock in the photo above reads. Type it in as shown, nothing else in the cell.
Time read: 4:31
